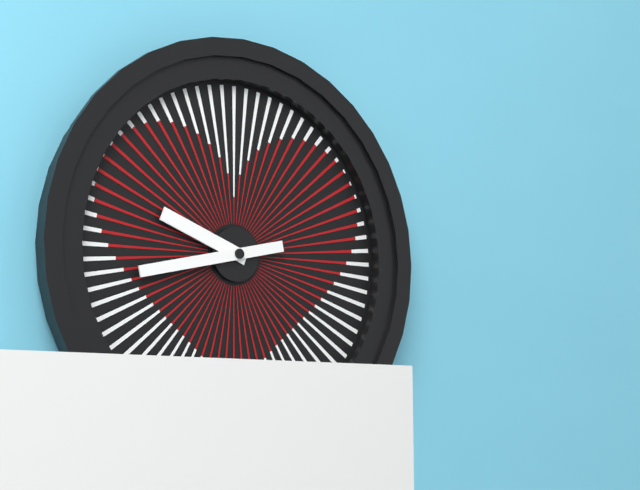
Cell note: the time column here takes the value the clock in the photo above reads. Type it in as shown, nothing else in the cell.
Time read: 9:43
